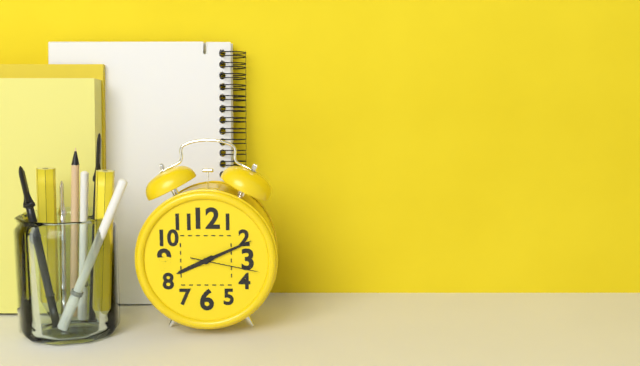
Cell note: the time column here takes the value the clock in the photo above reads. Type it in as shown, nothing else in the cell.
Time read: 8:11:17
